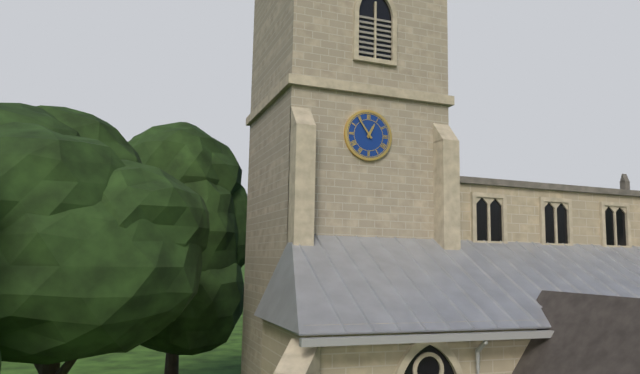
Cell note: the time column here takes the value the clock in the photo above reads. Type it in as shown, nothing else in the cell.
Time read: 12:54
